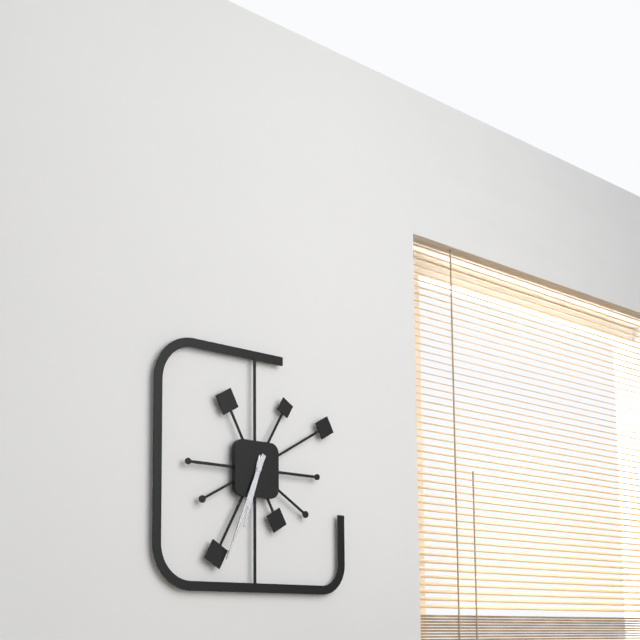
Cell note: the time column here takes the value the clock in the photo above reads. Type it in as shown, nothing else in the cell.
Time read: 6:34
